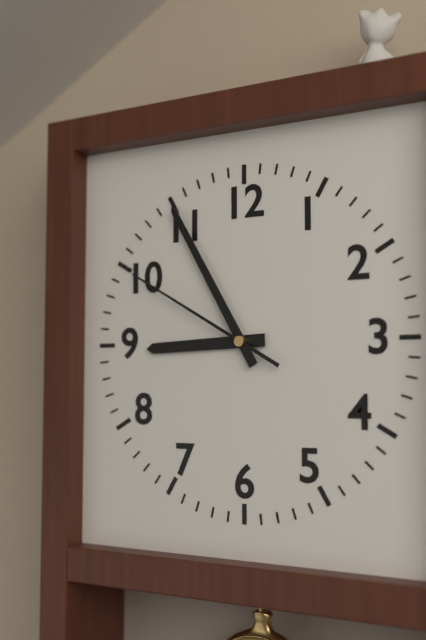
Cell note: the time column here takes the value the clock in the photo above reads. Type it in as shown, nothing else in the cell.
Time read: 8:55:50
